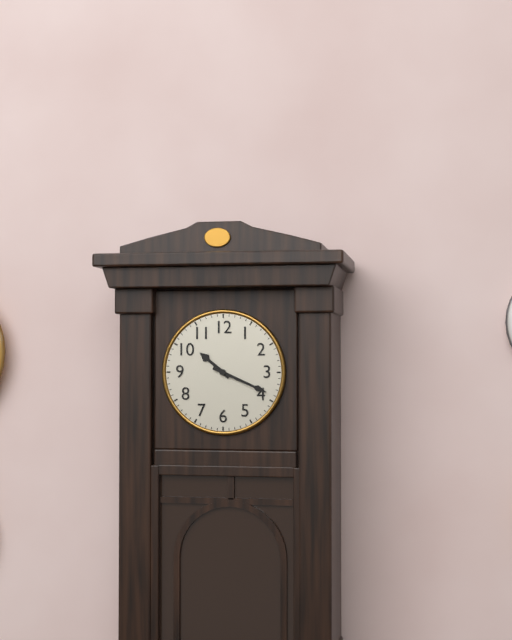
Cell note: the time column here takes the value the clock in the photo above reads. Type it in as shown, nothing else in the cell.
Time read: 10:19
